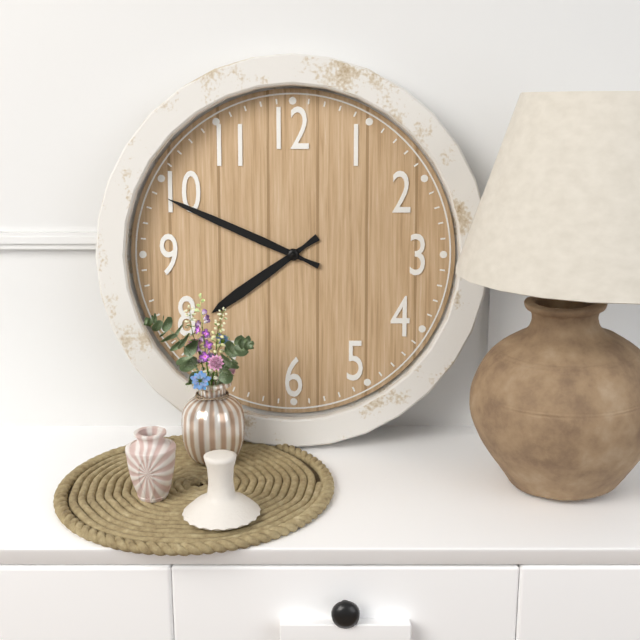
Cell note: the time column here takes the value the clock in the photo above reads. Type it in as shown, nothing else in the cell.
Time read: 7:49
